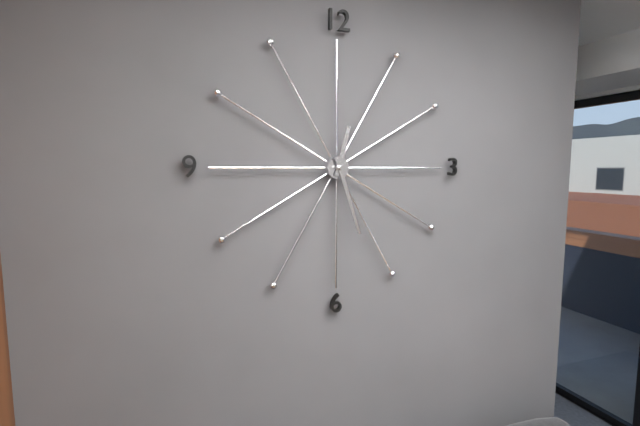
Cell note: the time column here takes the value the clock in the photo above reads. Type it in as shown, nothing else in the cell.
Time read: 12:27
